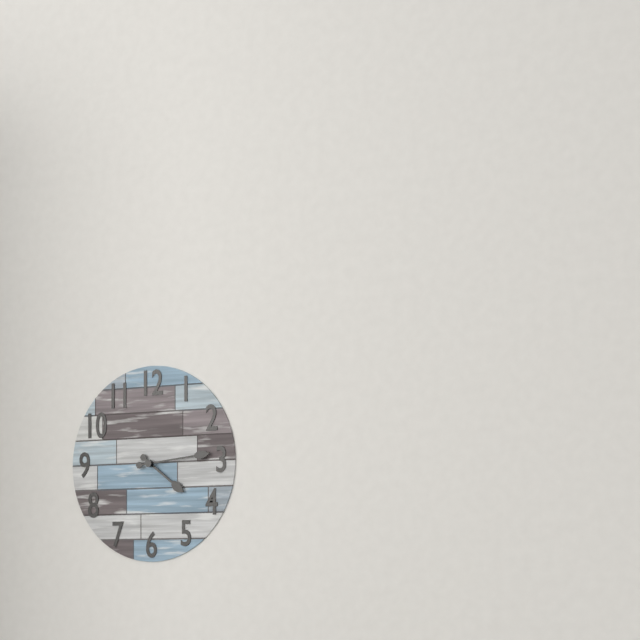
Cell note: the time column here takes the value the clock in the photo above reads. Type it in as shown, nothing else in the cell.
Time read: 4:14
